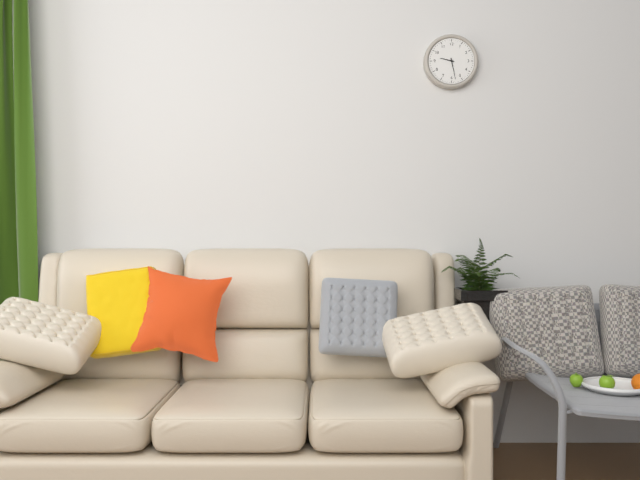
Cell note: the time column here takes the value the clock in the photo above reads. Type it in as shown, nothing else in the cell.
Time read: 9:28
